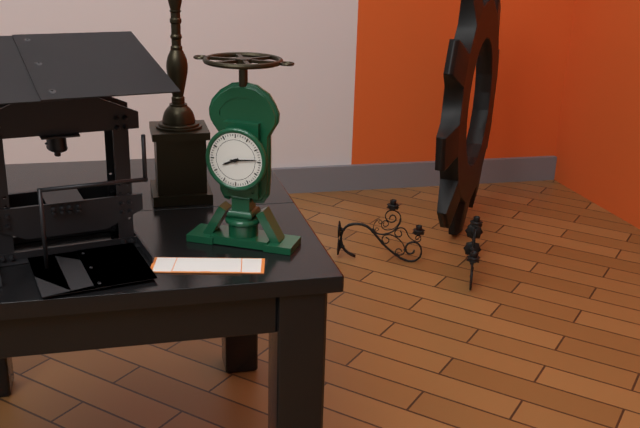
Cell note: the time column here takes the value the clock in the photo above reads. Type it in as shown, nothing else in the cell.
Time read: 8:14
